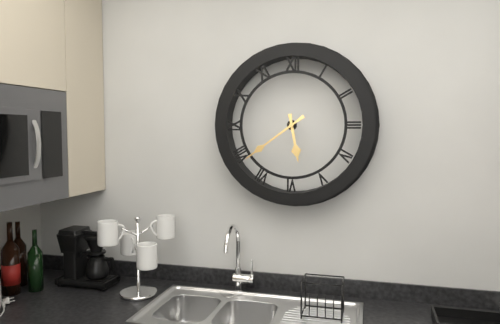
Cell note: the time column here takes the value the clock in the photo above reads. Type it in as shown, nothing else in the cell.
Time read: 5:39
